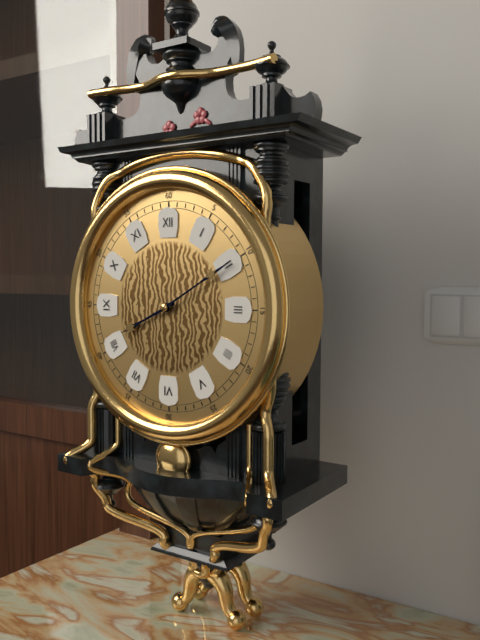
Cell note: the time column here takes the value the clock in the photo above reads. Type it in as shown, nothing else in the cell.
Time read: 8:10
